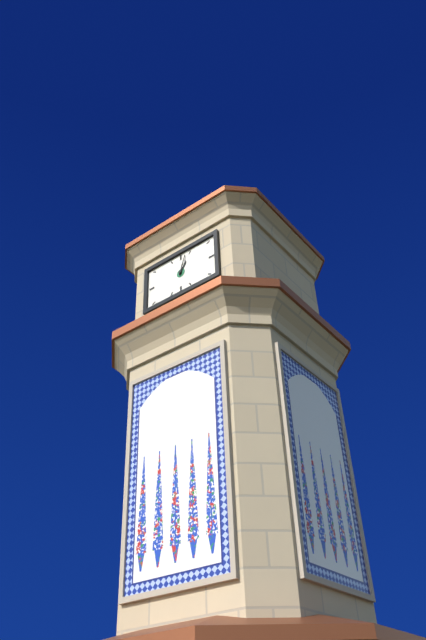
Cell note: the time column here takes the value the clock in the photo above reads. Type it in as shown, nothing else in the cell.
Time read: 1:03
